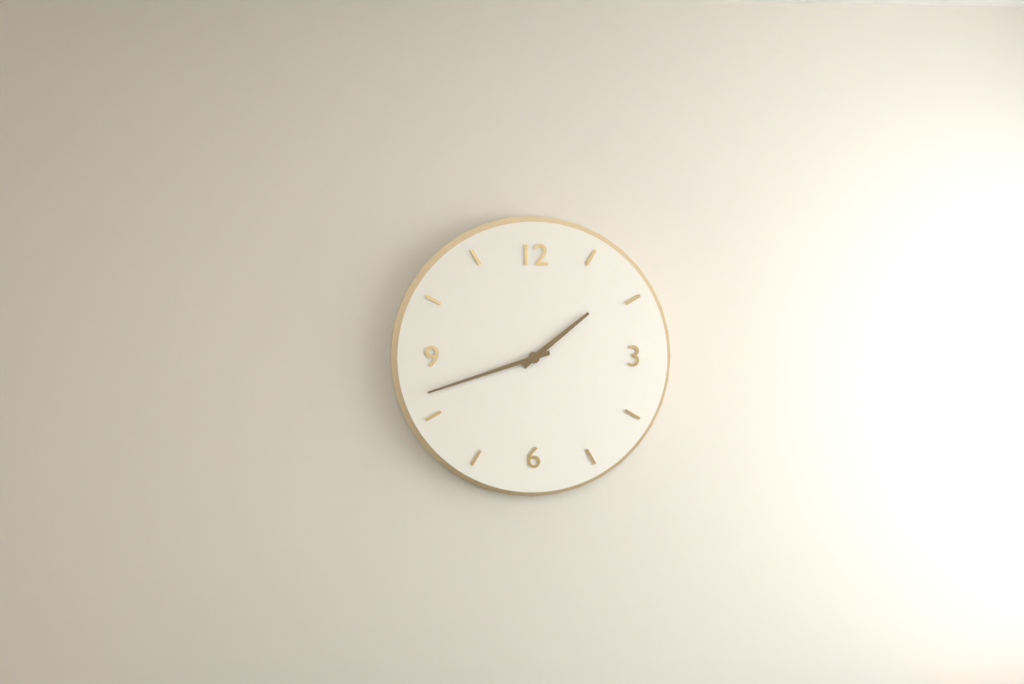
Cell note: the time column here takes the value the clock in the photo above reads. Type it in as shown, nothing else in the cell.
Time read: 1:42
